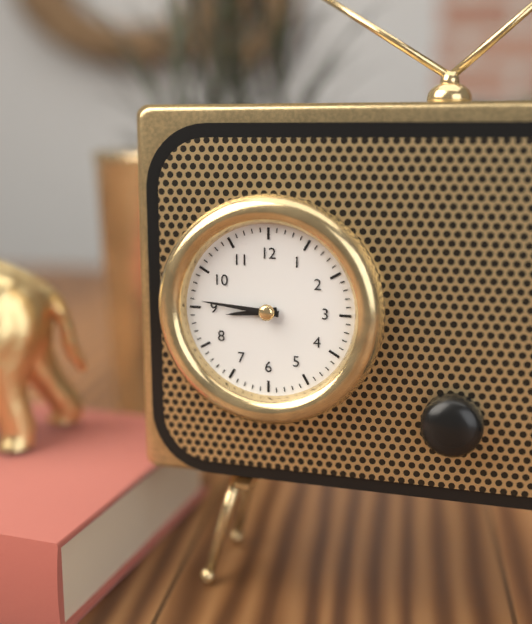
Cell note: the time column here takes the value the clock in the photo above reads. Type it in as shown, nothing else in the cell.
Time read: 8:46
